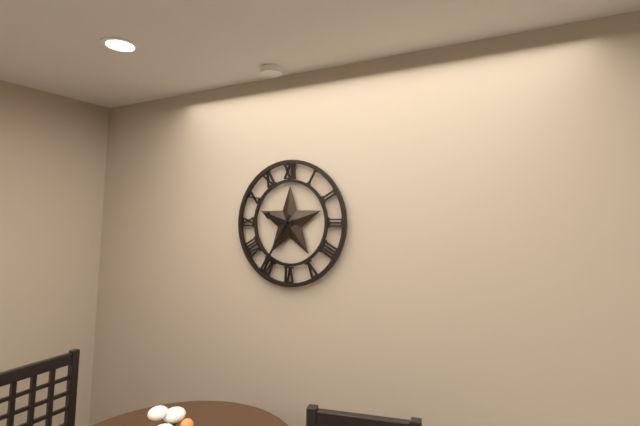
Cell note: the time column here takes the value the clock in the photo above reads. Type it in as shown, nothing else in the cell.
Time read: 9:35
